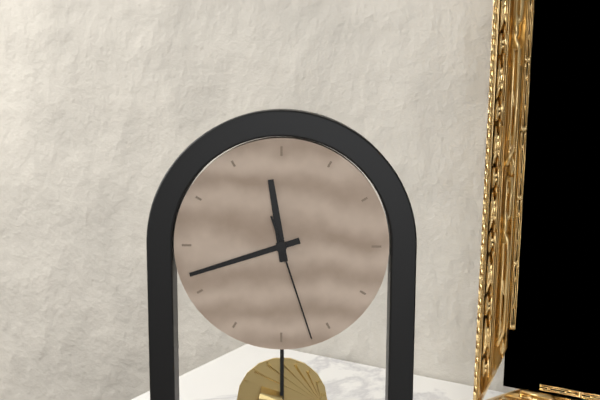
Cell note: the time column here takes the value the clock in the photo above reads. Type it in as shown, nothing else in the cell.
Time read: 11:42:27
